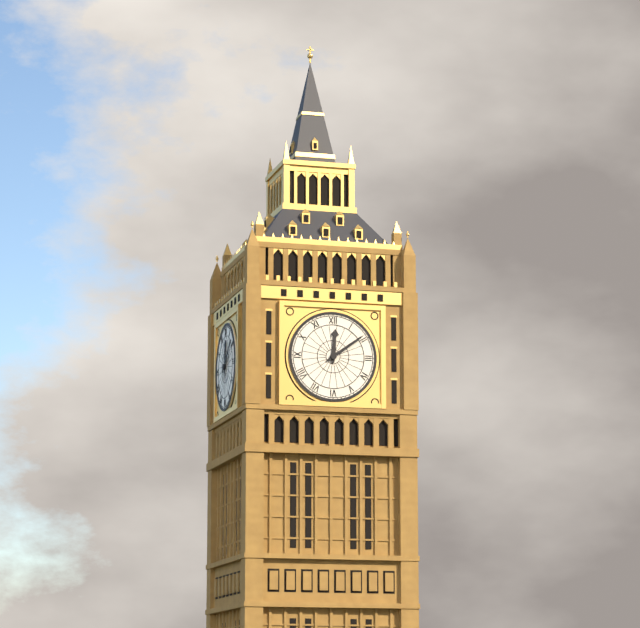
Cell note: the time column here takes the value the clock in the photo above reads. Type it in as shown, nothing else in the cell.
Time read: 12:09
